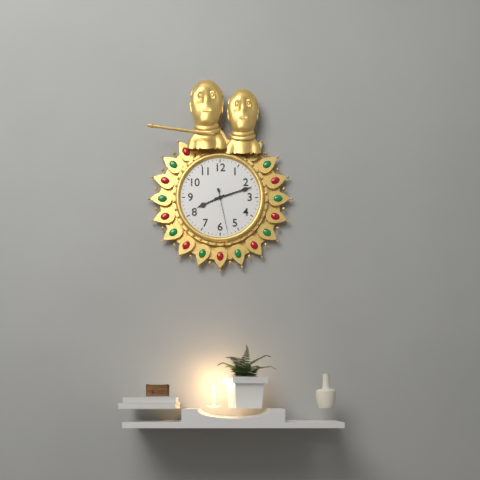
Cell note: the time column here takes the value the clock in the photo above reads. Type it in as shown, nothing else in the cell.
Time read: 8:12
